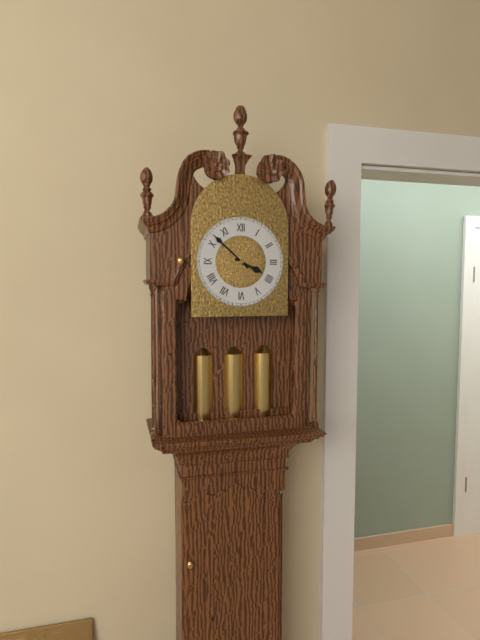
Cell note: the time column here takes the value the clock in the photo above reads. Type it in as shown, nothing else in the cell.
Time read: 3:52
